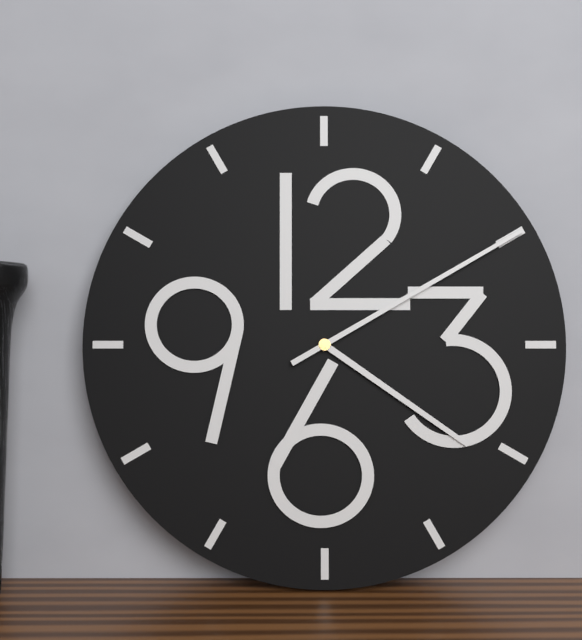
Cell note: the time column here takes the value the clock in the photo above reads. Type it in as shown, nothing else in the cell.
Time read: 4:10
